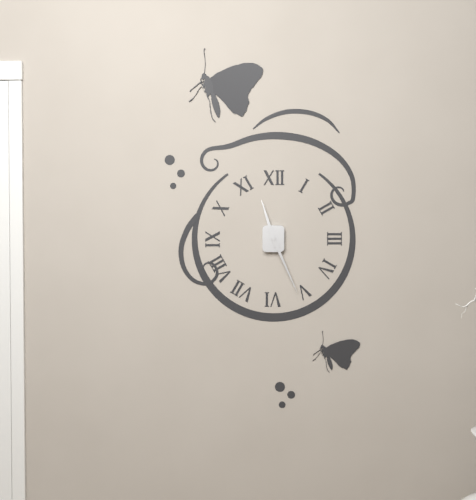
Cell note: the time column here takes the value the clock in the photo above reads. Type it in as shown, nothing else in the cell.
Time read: 11:26
